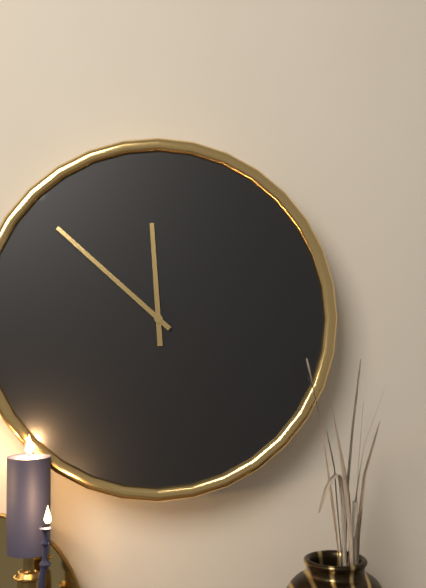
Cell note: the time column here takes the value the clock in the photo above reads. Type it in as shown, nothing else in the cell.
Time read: 11:52
